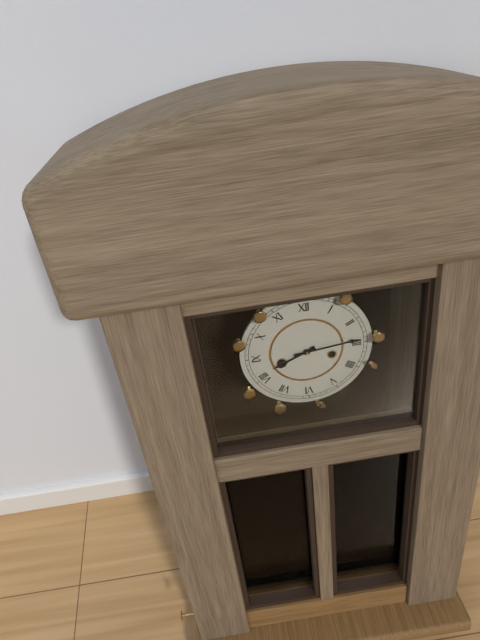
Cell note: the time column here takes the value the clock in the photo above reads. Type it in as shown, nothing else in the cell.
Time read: 8:14
